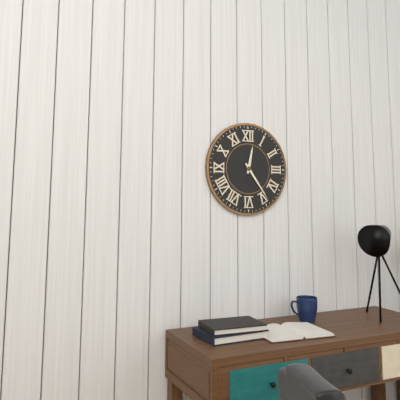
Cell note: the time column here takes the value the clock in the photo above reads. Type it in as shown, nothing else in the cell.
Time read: 12:24
